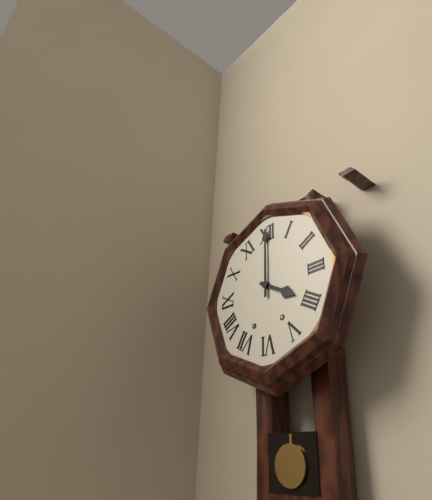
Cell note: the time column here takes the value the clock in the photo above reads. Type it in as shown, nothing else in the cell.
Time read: 4:00
